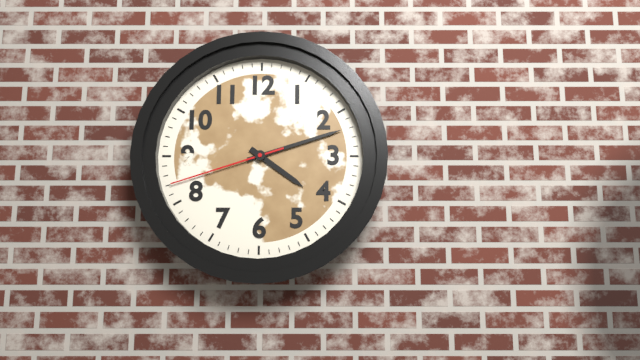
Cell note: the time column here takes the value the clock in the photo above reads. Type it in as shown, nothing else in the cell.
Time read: 4:12:42
